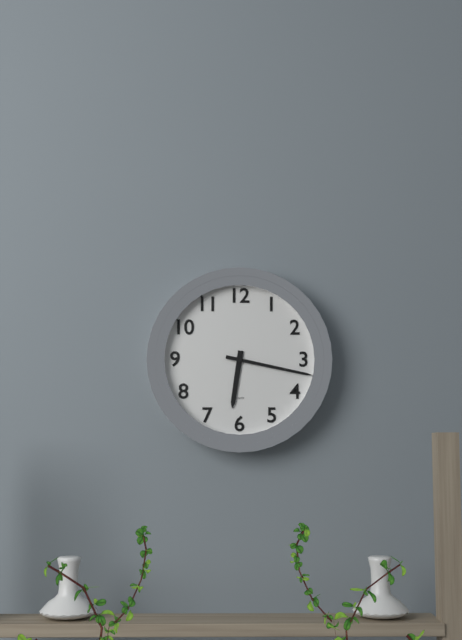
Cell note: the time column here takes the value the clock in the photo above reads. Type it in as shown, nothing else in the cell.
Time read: 6:17
